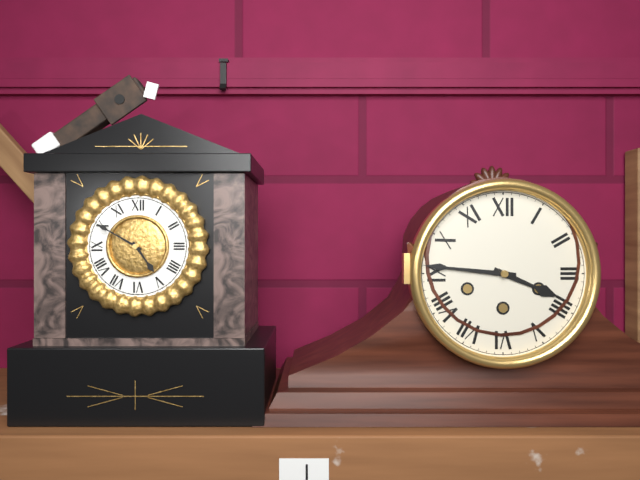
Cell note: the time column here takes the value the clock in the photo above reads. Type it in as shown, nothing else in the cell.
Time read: 3:46
